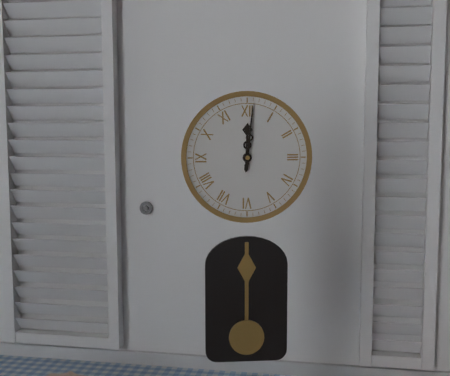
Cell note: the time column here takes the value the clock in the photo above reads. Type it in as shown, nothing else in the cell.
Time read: 12:01
